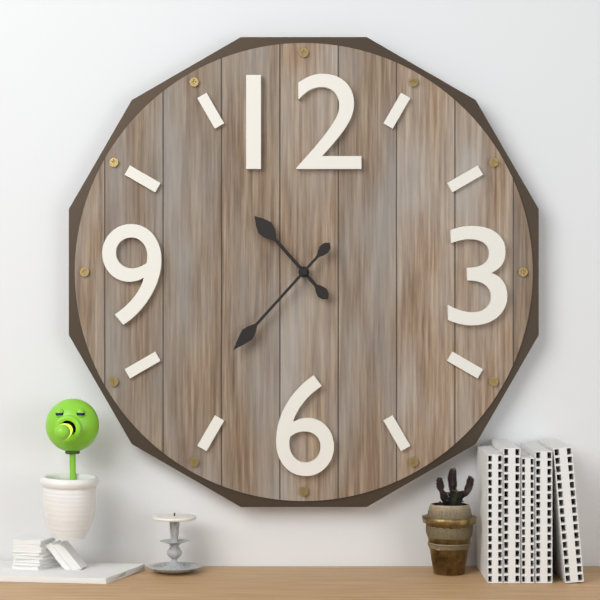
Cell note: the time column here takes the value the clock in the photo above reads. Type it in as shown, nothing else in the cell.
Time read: 10:37
